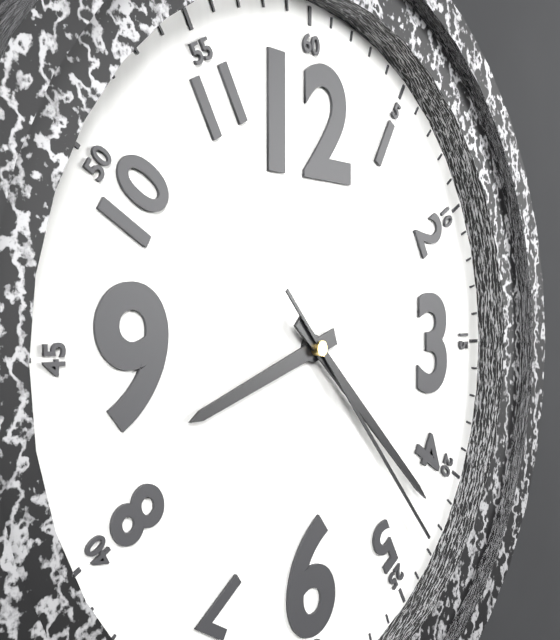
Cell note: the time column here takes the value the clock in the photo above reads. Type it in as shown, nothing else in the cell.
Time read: 8:22:23
